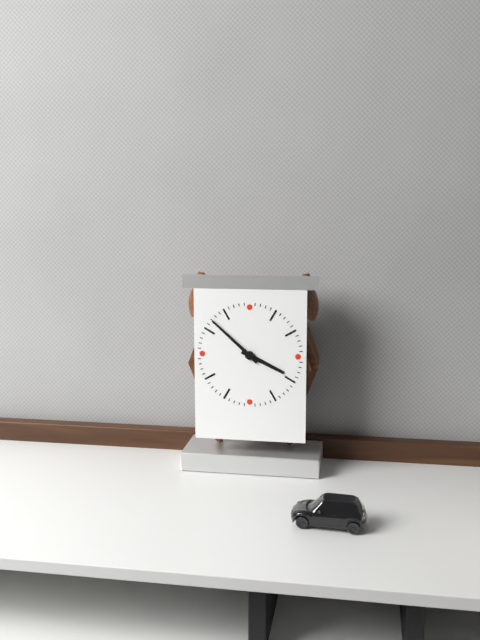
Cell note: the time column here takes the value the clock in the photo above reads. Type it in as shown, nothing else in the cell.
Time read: 3:52
